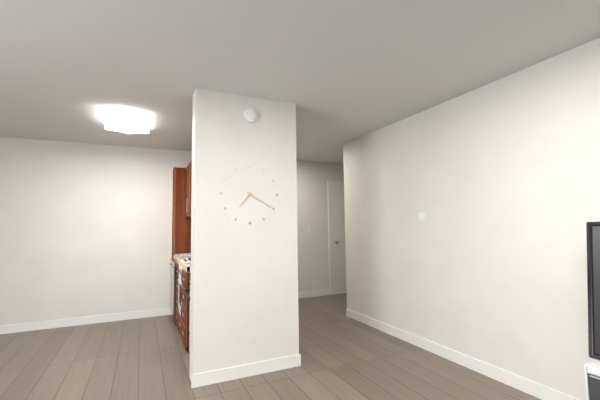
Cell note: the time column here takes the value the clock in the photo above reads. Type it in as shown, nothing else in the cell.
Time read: 7:20
